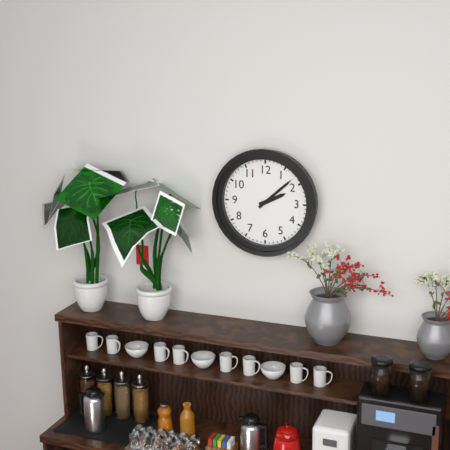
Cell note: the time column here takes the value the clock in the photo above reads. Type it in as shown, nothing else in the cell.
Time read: 2:08
